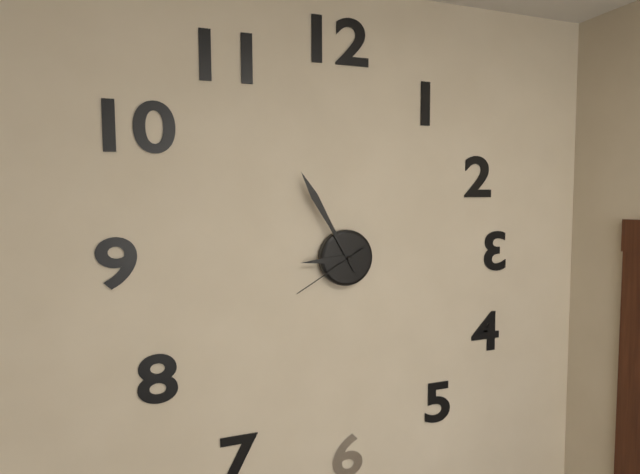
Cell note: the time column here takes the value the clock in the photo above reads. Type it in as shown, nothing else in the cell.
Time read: 8:55:40
